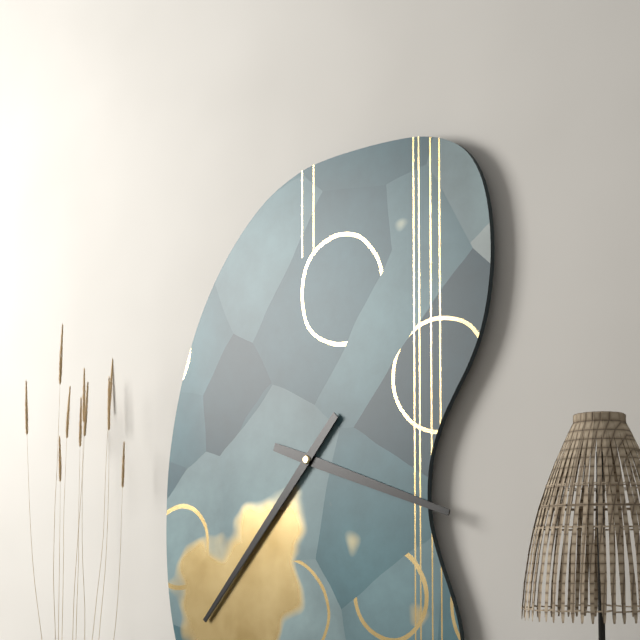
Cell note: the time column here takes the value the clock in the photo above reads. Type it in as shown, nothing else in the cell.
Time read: 3:37
